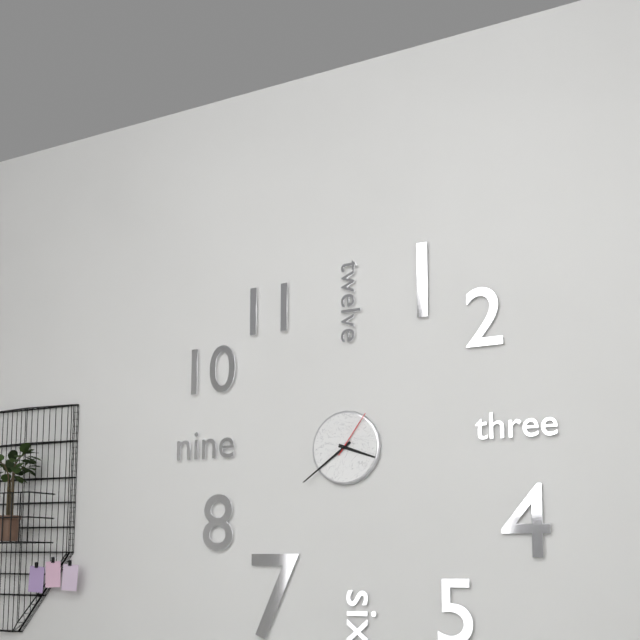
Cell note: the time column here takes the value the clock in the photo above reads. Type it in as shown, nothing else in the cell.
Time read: 3:39:06
